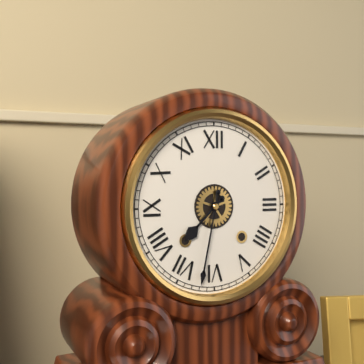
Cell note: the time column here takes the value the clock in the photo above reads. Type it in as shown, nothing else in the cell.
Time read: 7:32
